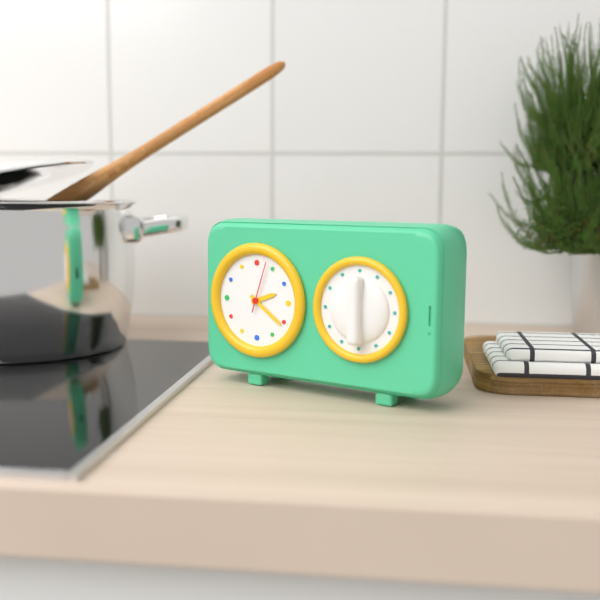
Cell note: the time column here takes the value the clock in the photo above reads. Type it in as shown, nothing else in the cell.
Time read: 2:21
